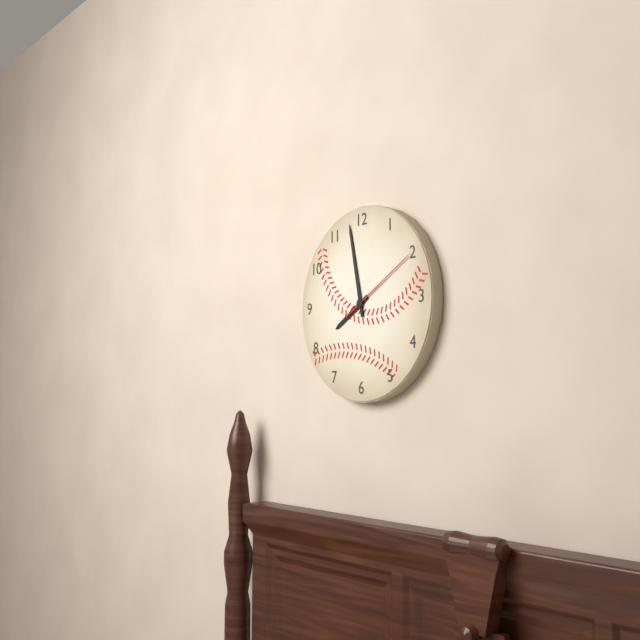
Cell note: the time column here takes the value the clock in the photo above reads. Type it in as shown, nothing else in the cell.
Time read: 7:58:10
